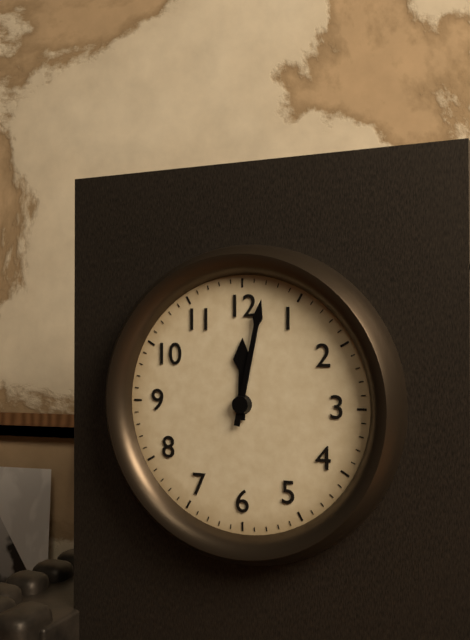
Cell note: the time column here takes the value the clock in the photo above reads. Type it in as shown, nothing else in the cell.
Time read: 12:02
